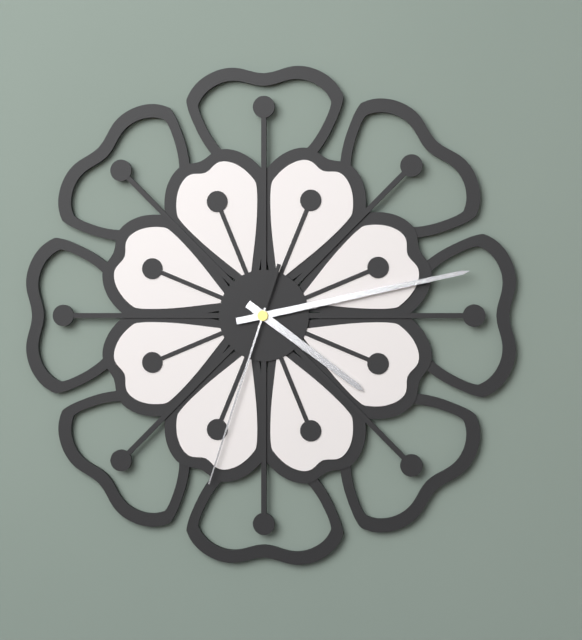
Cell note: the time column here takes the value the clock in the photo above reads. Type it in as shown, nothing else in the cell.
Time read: 4:13:33
